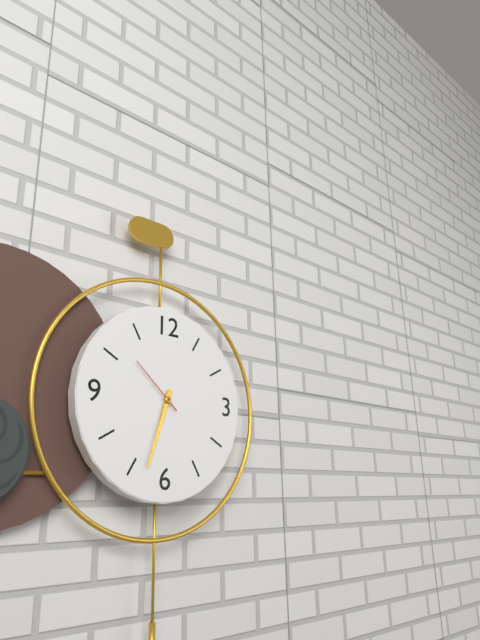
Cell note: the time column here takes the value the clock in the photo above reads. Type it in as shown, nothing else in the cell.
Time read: 6:33:52
